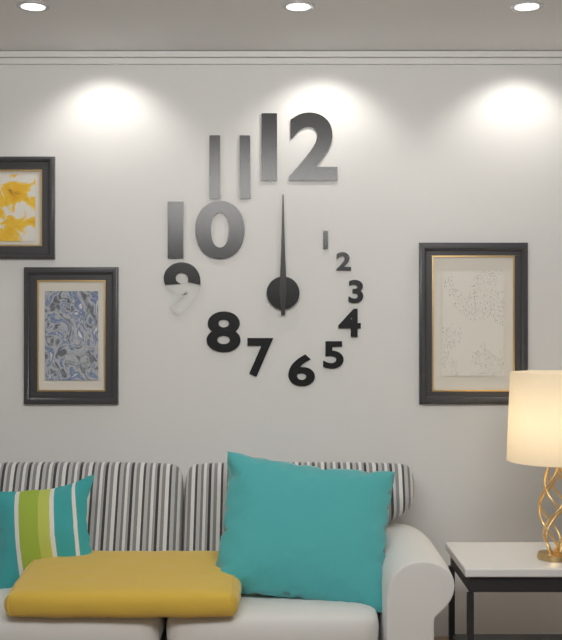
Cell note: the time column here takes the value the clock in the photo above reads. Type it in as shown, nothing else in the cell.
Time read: 12:00
